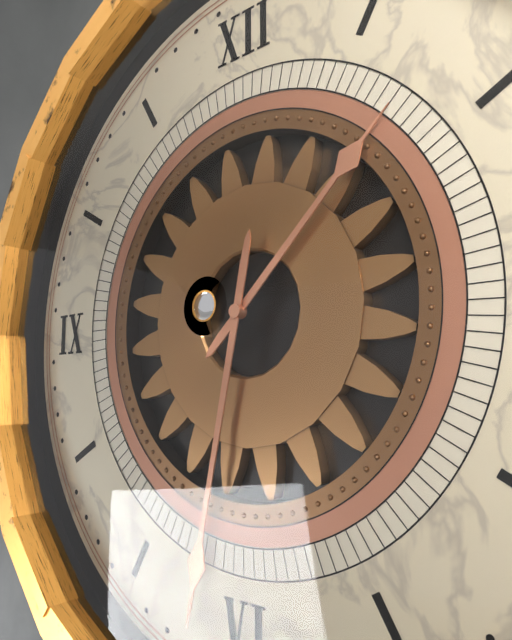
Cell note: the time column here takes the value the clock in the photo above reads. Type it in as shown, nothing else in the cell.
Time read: 1:32
